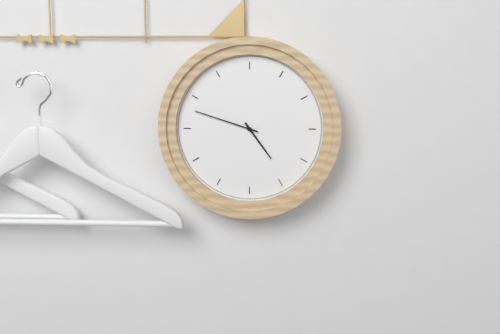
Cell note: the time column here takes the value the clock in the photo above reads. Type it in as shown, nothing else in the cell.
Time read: 4:48
